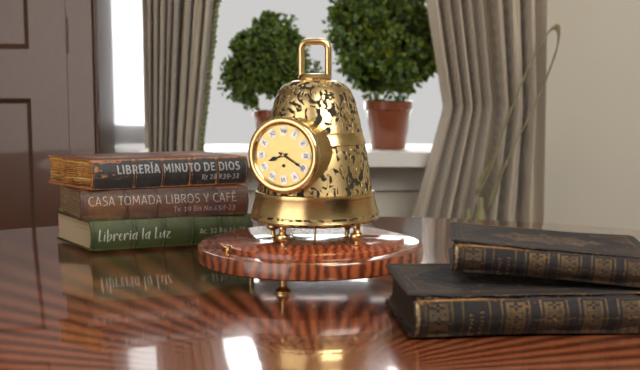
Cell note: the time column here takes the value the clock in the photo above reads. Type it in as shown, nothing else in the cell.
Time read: 8:20
